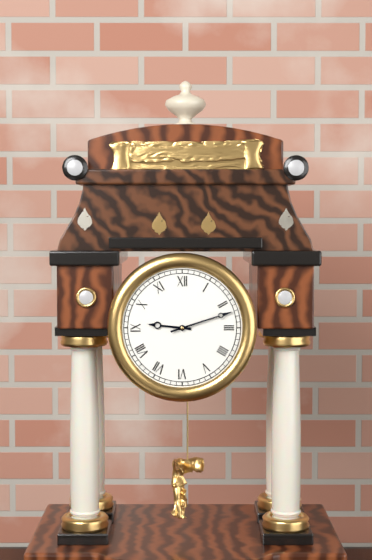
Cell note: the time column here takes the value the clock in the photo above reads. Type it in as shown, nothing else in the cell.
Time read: 9:12
